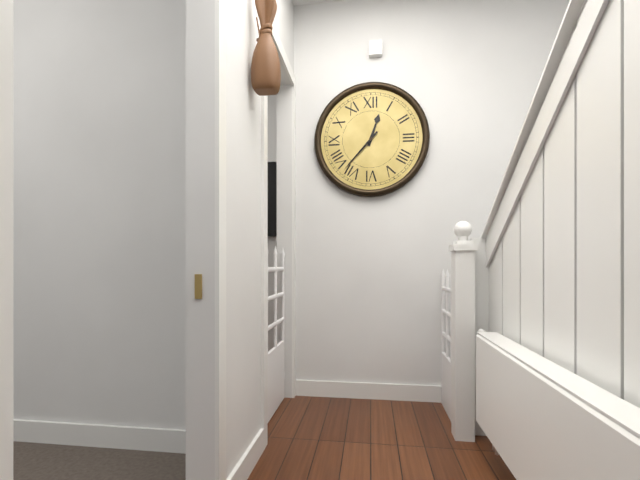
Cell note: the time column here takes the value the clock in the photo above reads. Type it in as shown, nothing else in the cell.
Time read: 12:37
